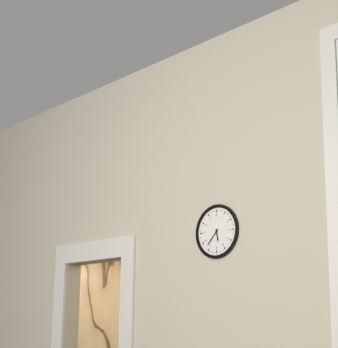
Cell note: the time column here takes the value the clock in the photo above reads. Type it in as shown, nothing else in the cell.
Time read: 5:37
